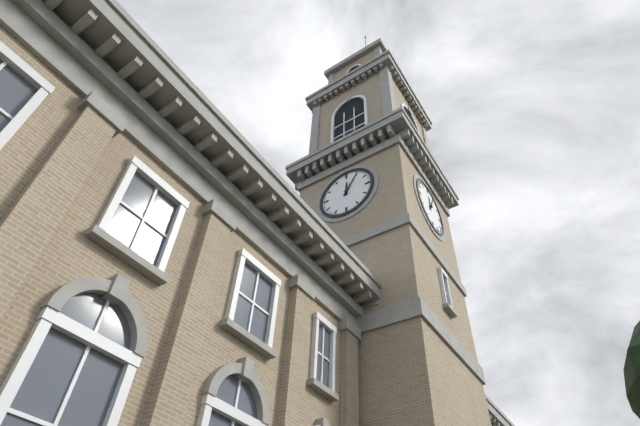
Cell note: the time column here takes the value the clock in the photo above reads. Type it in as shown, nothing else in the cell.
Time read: 12:05
